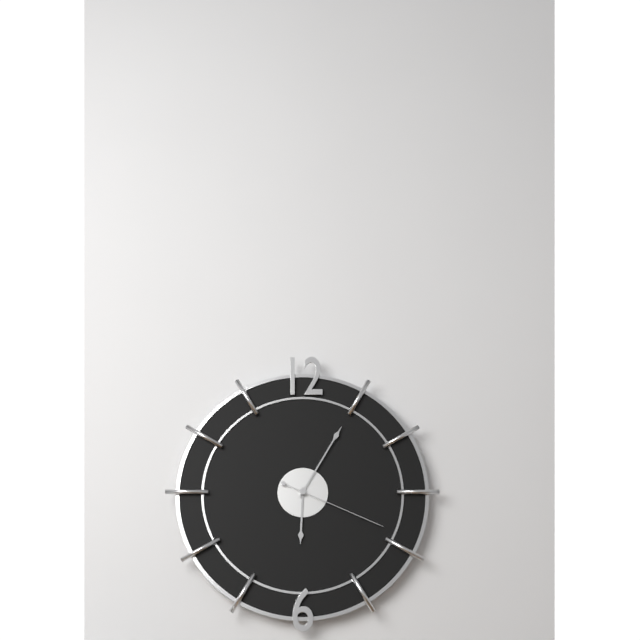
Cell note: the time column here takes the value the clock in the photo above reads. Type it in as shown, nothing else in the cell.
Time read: 6:05:19
